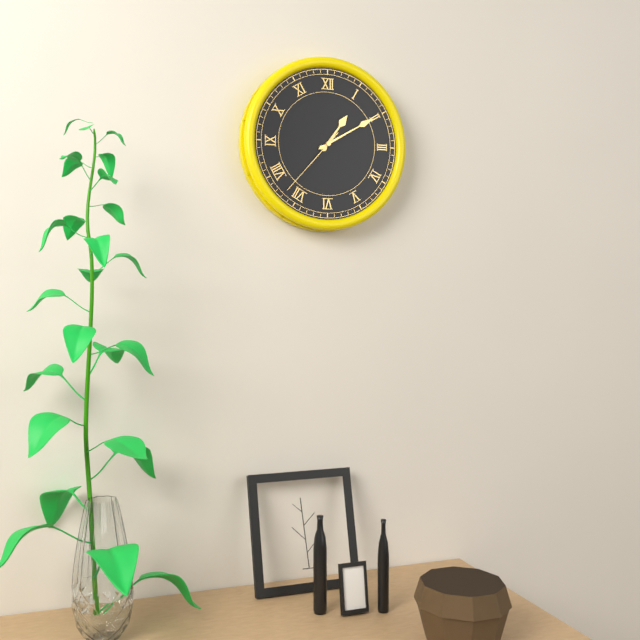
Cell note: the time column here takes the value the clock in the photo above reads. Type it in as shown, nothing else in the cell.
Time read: 1:10:37
